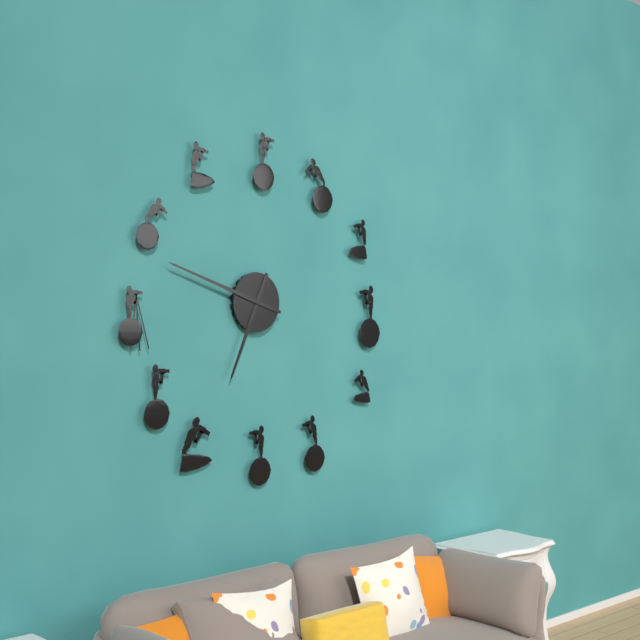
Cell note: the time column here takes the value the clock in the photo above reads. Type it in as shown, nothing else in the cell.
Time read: 6:48
